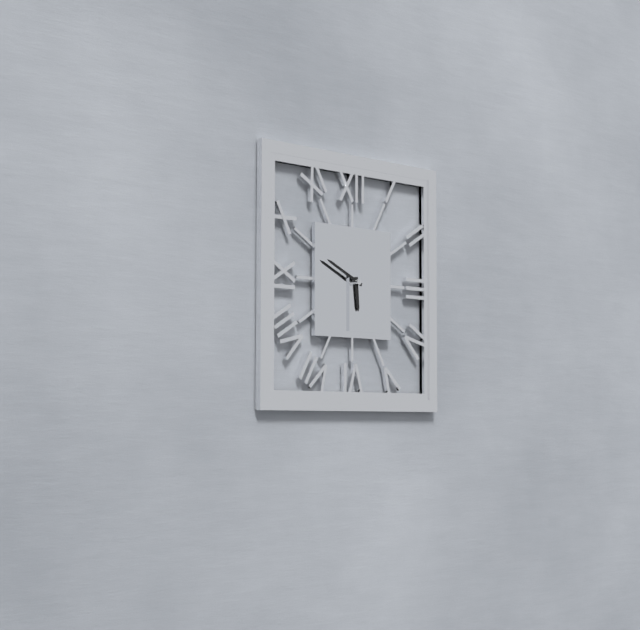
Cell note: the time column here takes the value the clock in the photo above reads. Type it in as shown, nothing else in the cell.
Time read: 5:49
